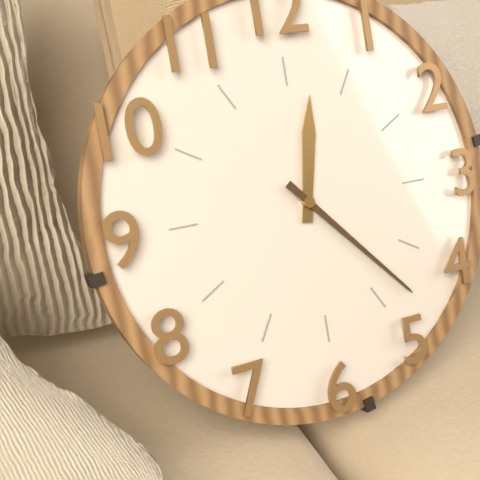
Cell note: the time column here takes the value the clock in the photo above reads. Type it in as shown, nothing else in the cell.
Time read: 12:23
